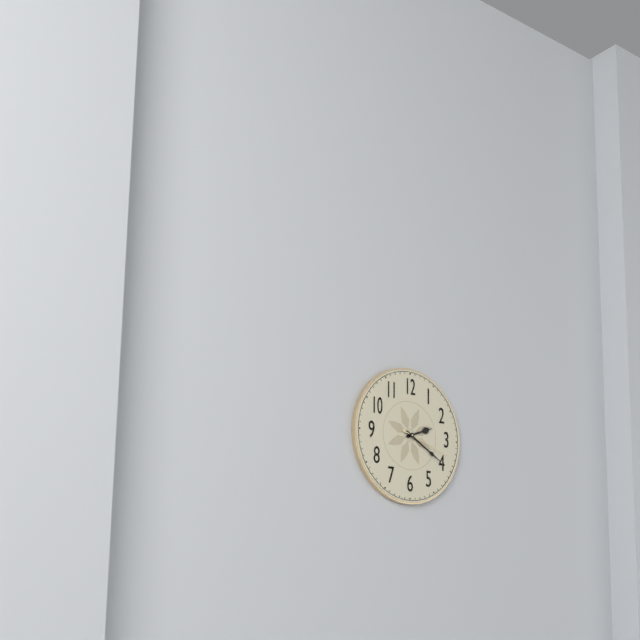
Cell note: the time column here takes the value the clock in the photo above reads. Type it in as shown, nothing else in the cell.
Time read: 2:20:18
